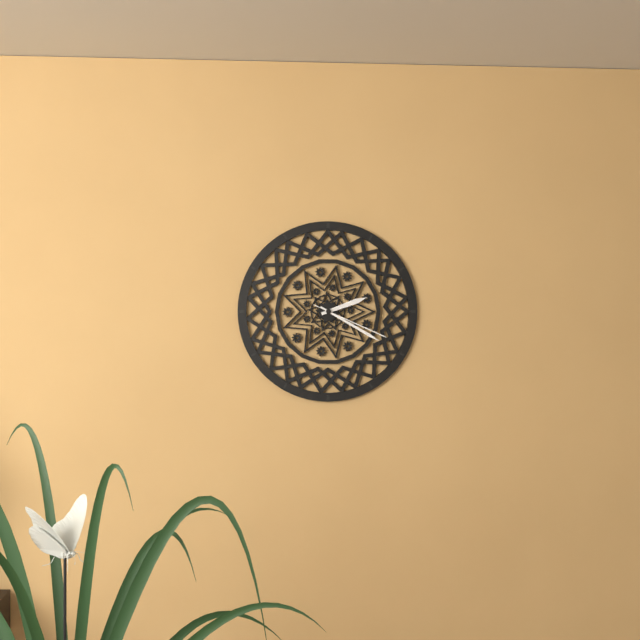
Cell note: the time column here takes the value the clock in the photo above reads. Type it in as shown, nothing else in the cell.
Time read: 2:20:19
